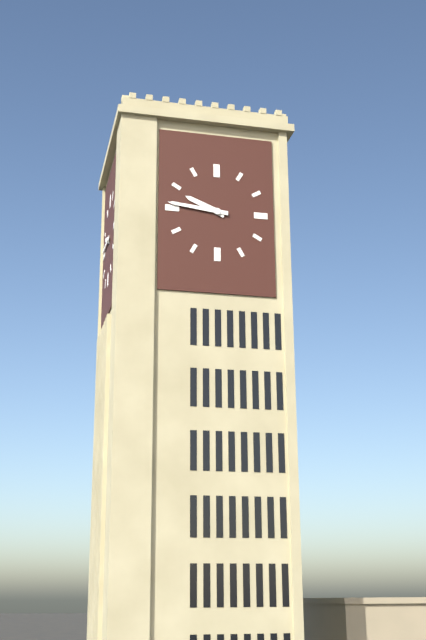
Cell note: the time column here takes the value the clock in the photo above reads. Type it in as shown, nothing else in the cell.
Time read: 9:46
